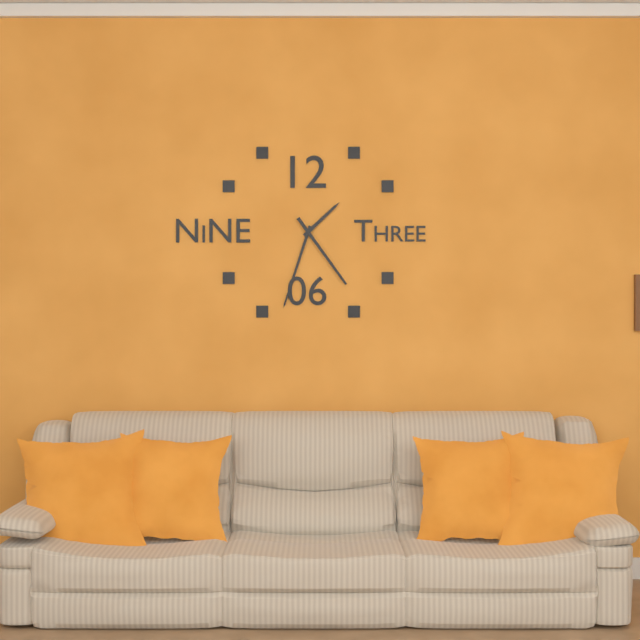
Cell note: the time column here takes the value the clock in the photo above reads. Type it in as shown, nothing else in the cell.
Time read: 1:33:24
